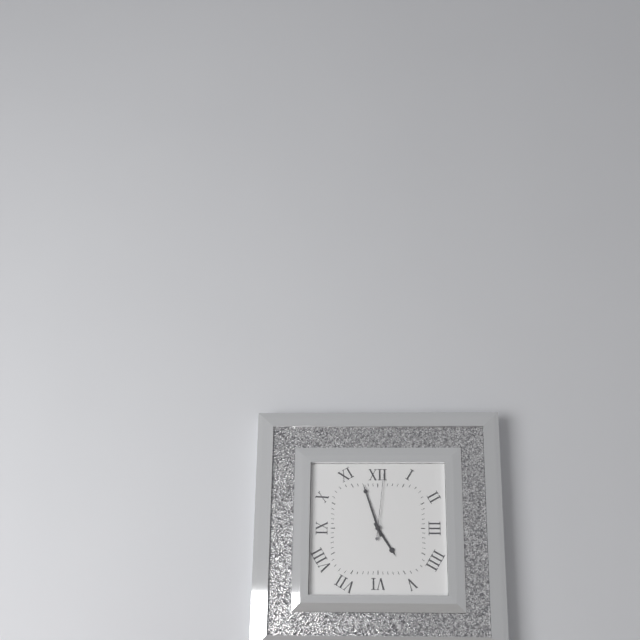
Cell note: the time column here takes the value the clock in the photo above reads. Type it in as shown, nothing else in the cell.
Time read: 4:57:01
